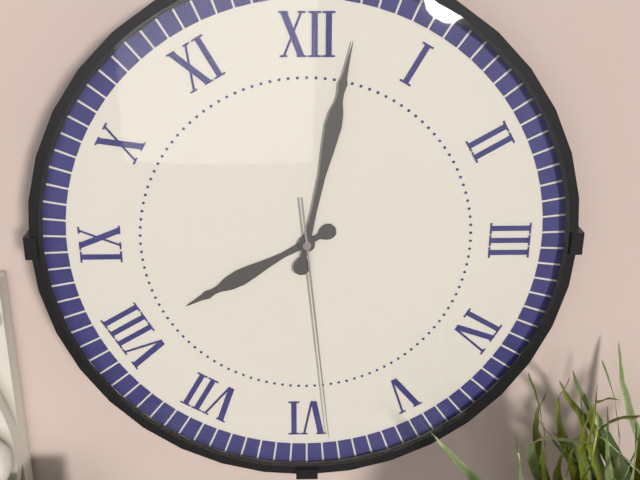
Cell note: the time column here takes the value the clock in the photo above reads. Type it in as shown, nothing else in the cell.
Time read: 8:02:29
